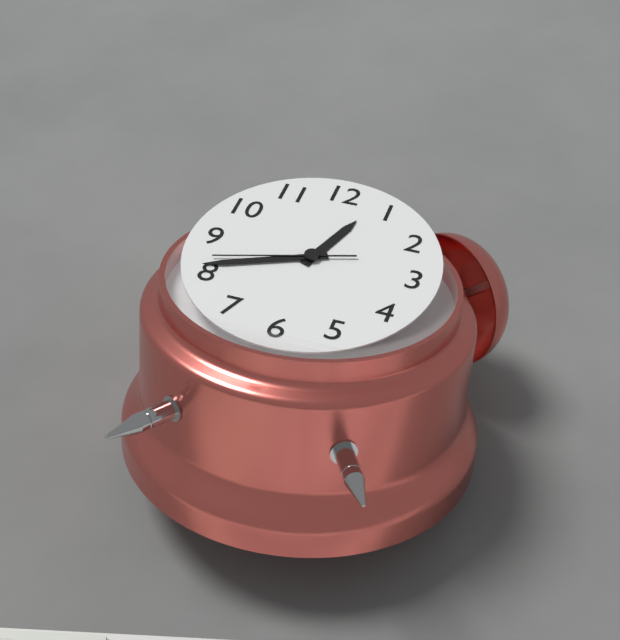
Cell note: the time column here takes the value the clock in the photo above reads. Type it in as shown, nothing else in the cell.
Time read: 12:41:42
